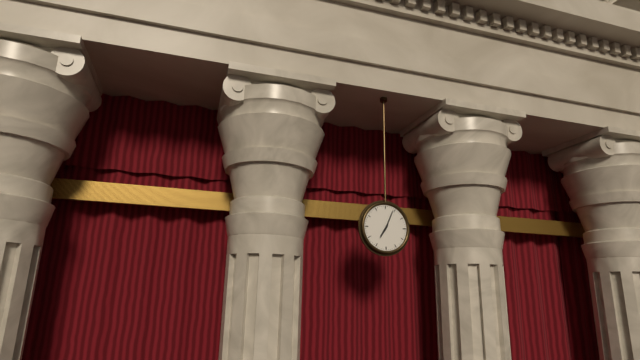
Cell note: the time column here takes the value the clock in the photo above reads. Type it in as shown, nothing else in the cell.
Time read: 7:04
